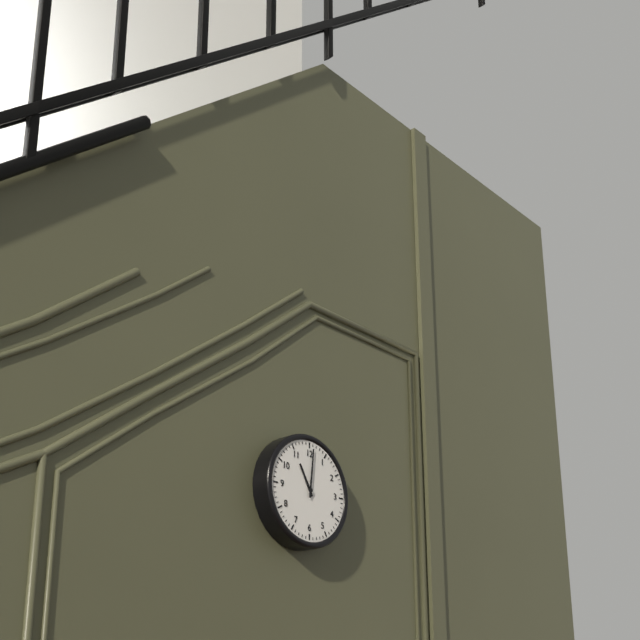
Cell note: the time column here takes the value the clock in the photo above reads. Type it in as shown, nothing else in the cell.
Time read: 11:01
